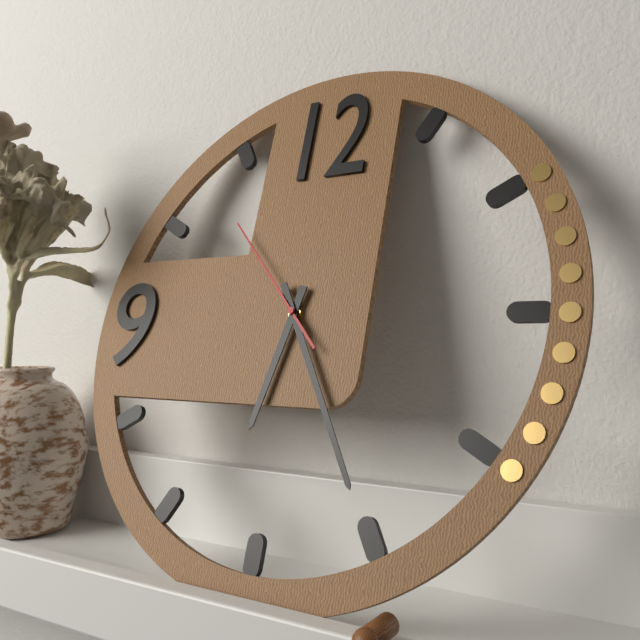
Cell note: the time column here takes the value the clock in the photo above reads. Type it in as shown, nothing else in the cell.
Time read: 6:25:53
